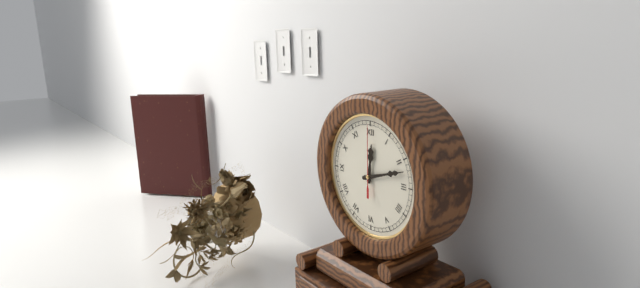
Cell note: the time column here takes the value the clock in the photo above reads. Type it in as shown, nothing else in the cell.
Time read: 12:12:00
